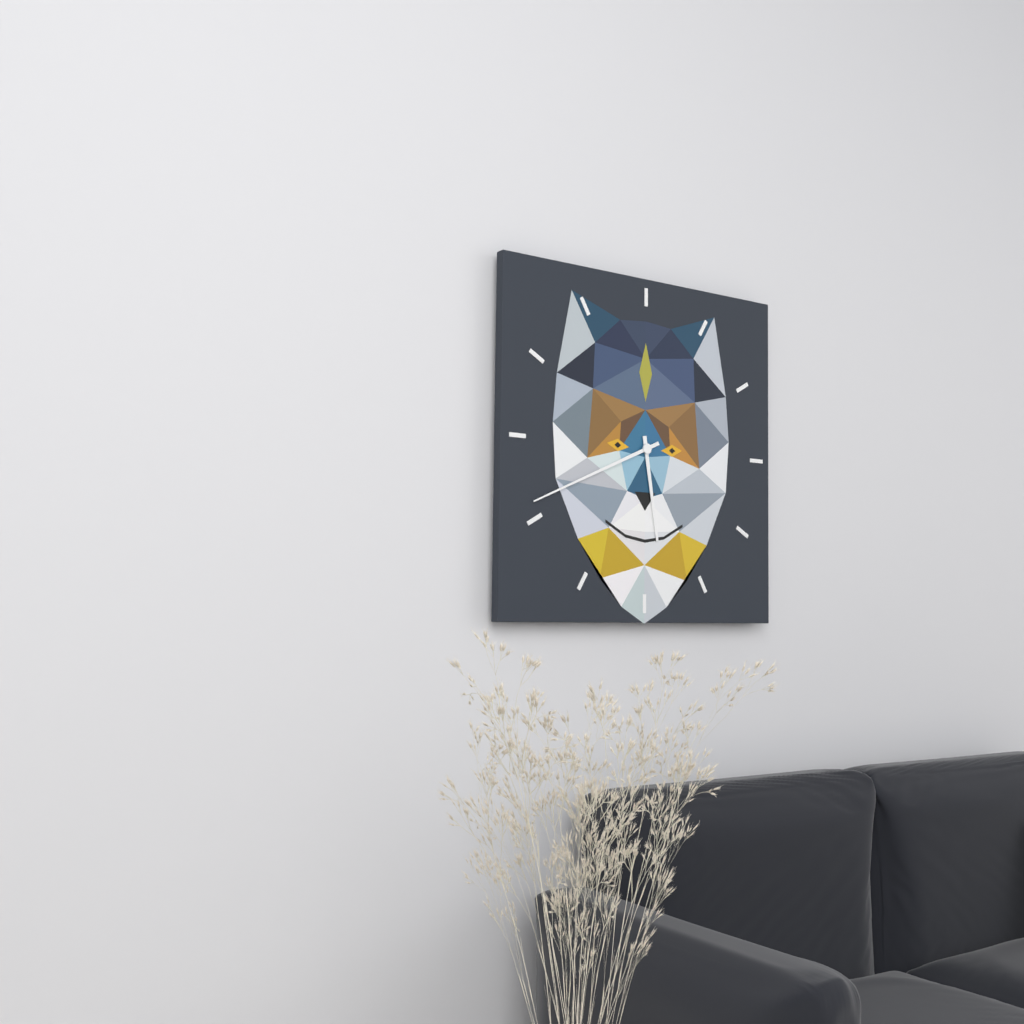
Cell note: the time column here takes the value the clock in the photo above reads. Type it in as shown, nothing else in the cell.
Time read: 5:41
